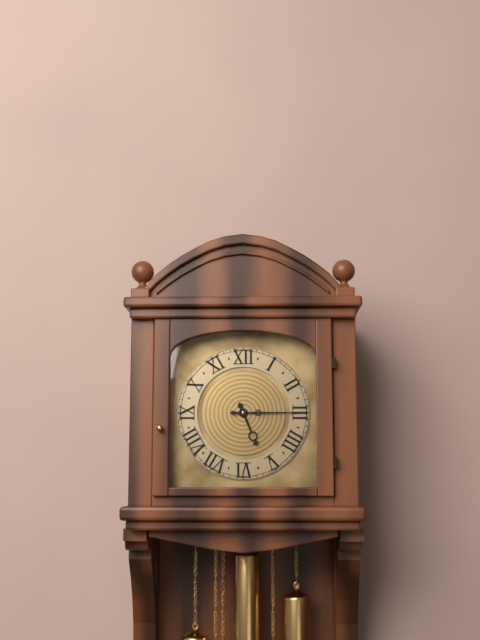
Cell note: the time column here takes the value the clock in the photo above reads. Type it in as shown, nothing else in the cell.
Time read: 5:15
